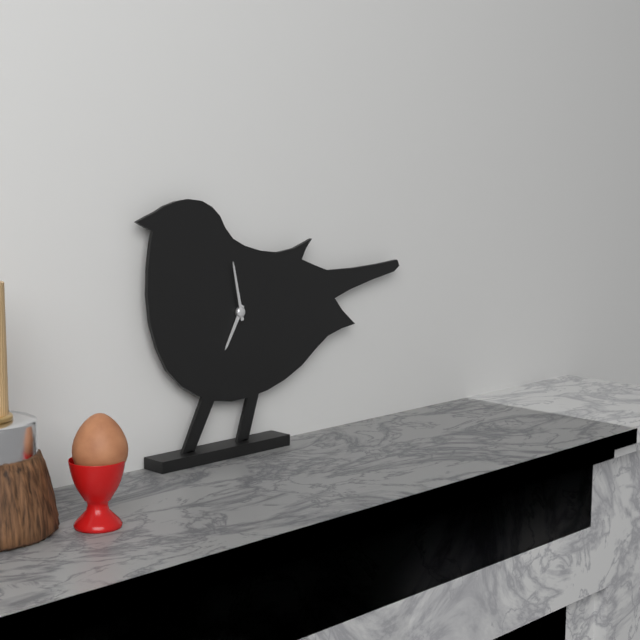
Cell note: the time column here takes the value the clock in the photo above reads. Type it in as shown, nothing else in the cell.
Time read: 6:58
